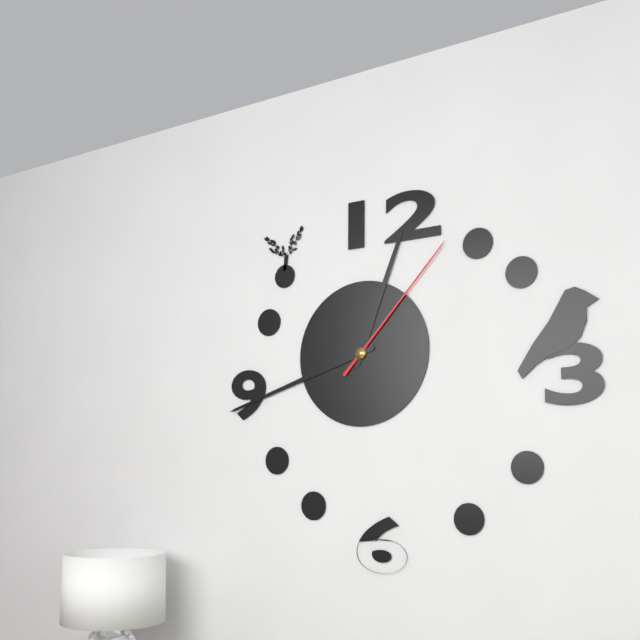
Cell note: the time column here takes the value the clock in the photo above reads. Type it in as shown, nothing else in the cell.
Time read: 12:42:07
